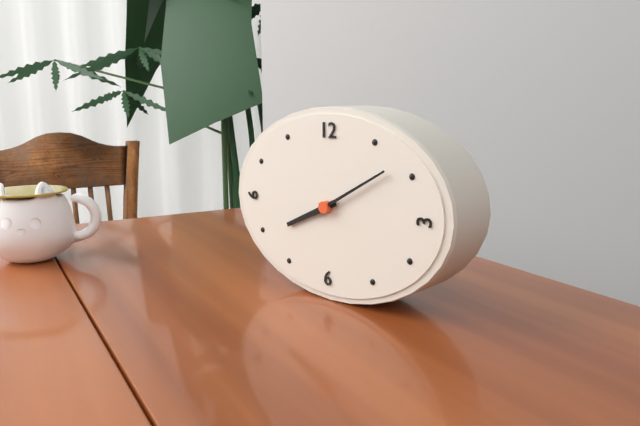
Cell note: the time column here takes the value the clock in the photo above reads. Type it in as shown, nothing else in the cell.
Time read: 8:10
